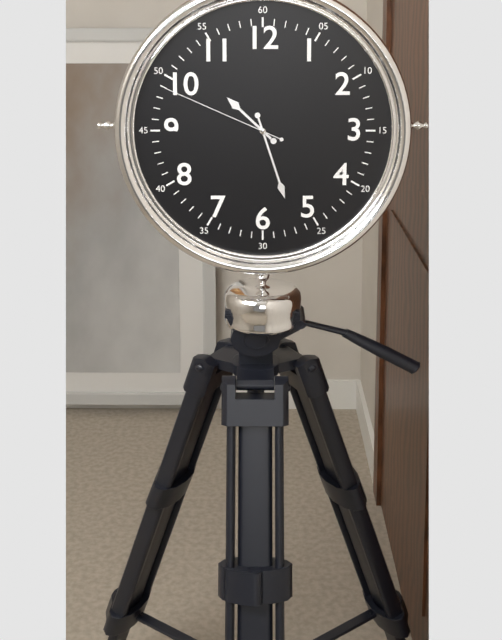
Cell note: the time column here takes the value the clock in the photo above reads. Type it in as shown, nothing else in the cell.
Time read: 10:27:49
